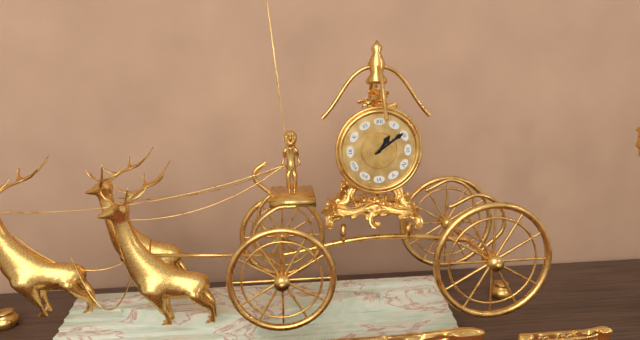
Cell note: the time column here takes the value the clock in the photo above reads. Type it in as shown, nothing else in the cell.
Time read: 1:09
